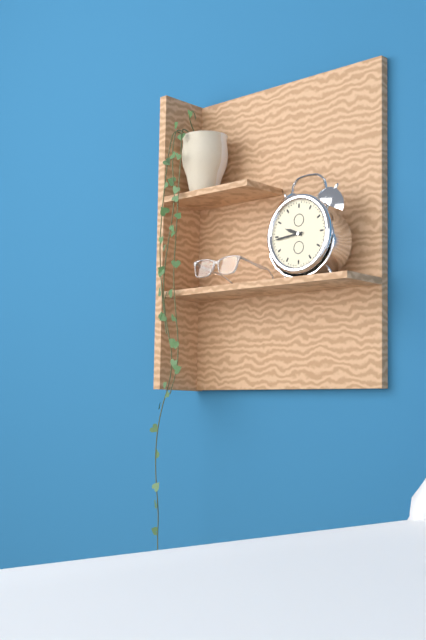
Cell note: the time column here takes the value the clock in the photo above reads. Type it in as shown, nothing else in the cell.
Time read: 9:44
